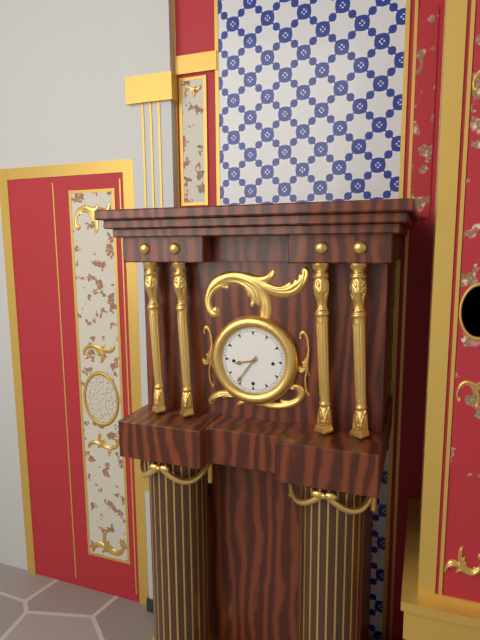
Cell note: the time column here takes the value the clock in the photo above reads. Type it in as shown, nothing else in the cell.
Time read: 8:36
